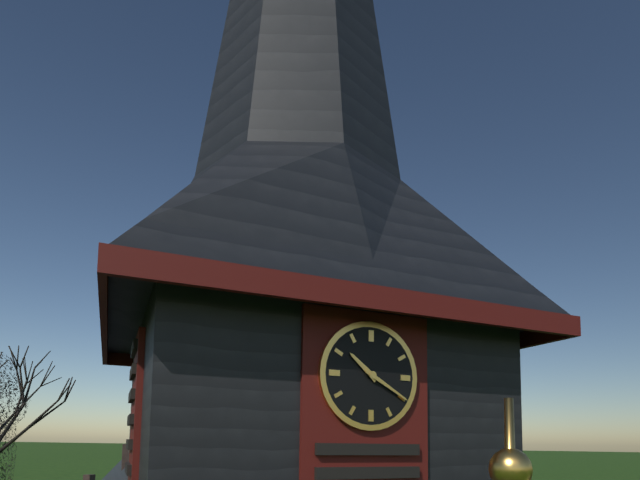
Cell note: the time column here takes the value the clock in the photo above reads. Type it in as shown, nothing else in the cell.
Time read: 10:20
